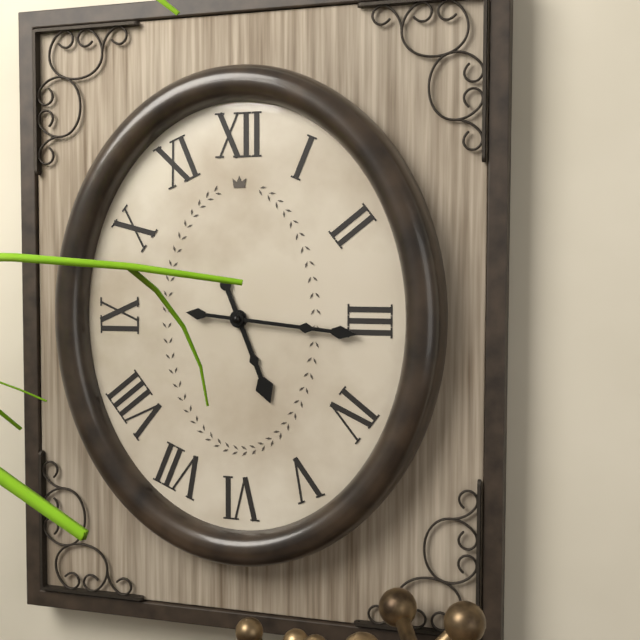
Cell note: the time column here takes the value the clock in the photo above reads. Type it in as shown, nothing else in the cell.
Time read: 5:16
